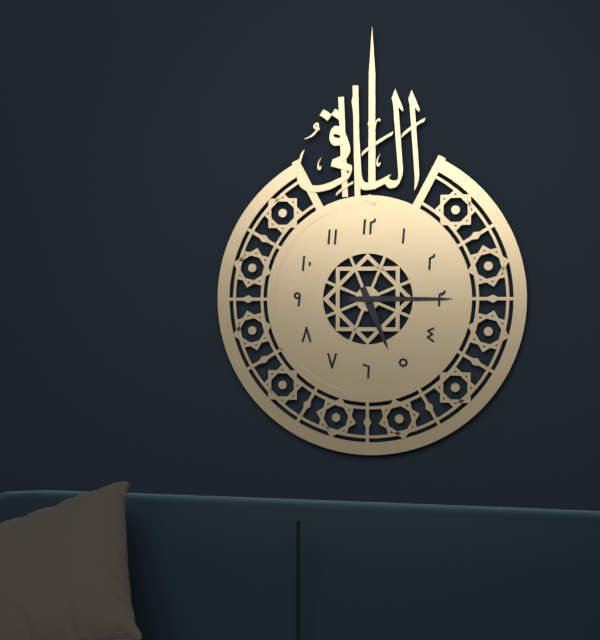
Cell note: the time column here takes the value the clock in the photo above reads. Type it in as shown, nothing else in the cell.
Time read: 5:15
